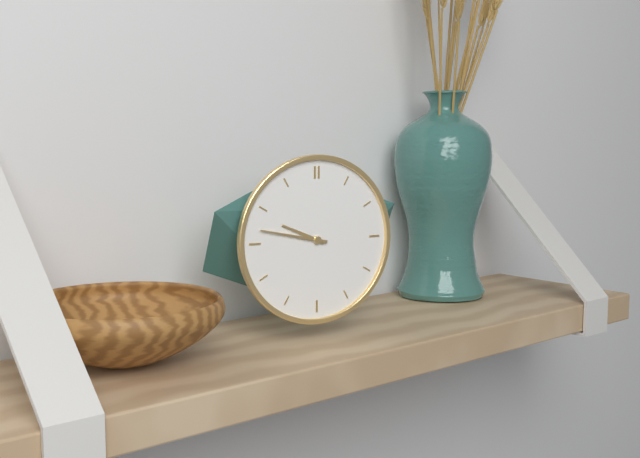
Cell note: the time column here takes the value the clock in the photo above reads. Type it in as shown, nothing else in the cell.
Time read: 9:47
